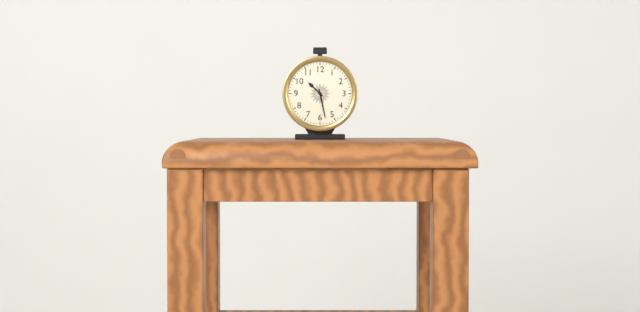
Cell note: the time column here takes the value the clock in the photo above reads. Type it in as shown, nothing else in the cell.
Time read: 10:28
